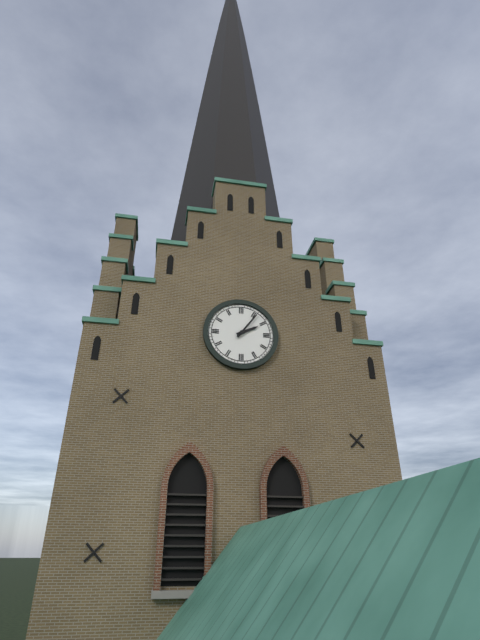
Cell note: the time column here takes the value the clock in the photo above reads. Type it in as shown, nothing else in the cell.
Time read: 2:06
